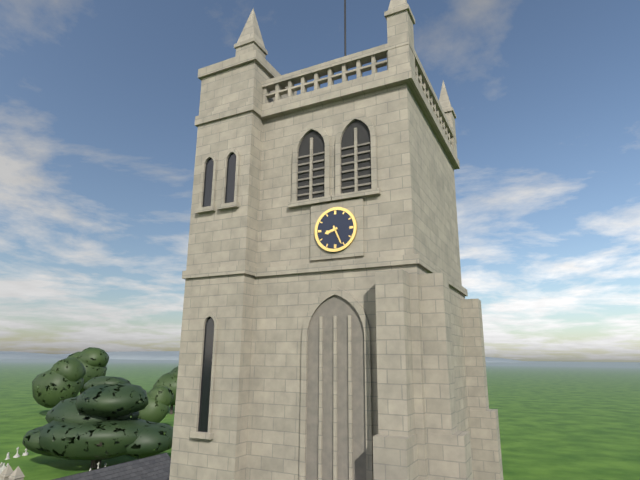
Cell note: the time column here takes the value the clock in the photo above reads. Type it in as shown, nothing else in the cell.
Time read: 8:26
